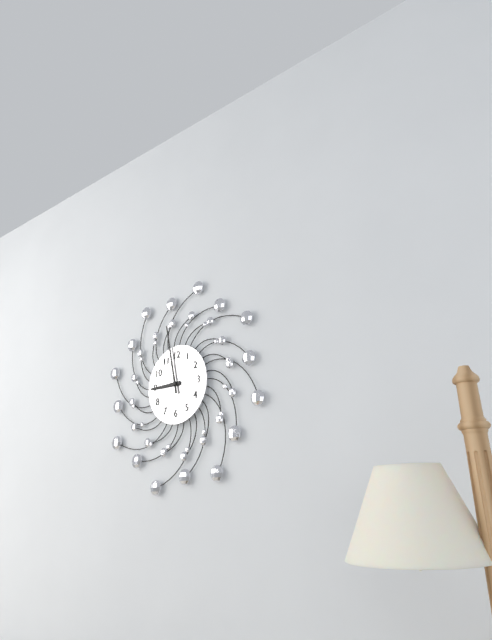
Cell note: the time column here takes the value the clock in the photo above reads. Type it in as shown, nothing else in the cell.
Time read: 8:58
